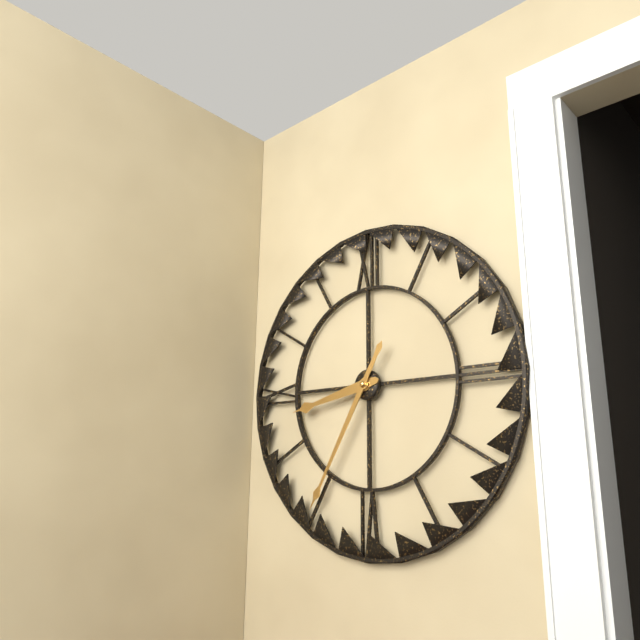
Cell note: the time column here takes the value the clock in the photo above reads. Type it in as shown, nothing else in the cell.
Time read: 8:35
